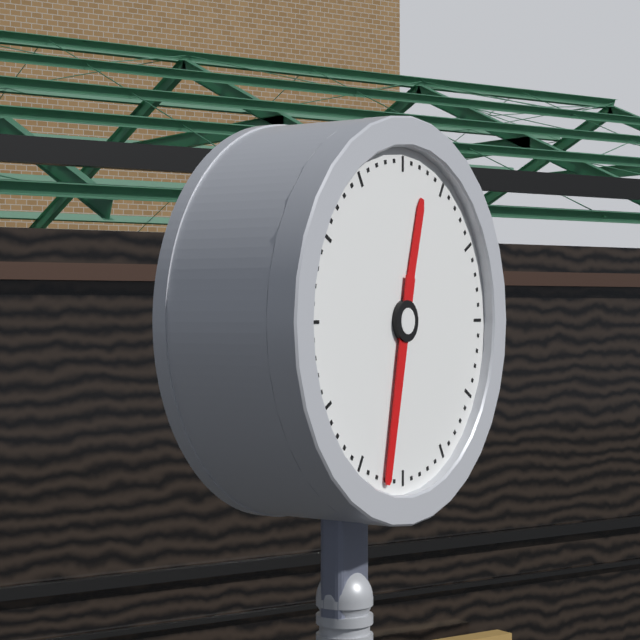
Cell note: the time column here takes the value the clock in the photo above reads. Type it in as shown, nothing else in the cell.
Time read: 12:32
